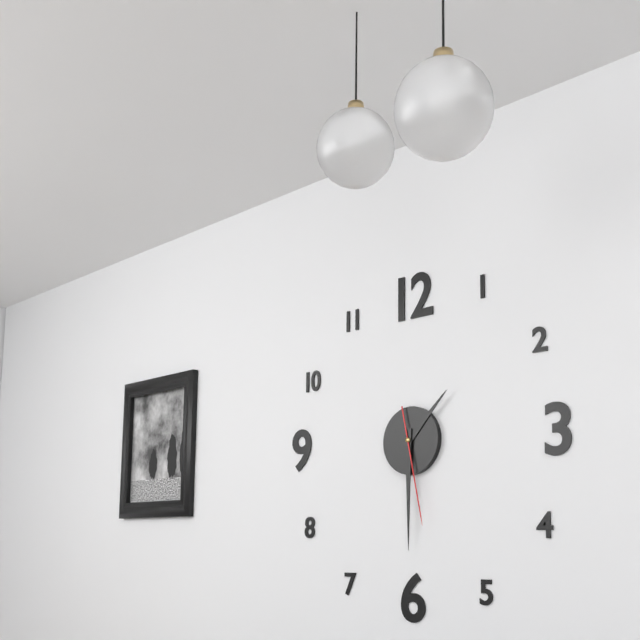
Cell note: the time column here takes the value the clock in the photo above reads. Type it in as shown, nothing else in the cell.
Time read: 1:30:28
